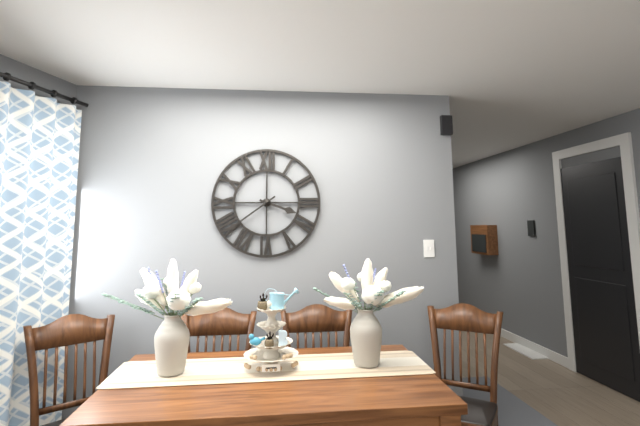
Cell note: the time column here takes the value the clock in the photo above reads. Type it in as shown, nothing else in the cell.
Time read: 3:39
